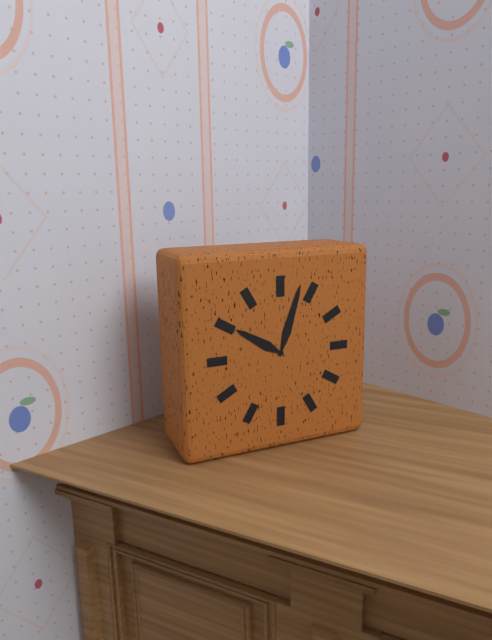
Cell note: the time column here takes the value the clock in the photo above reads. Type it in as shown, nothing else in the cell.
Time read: 10:03
